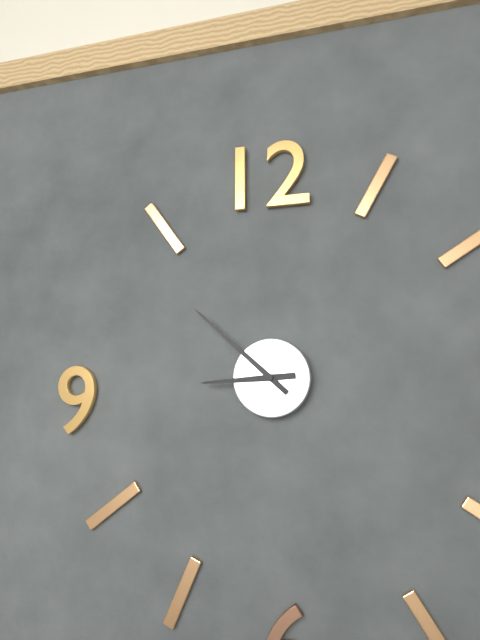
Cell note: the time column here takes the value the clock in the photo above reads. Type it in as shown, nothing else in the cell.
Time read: 8:52
